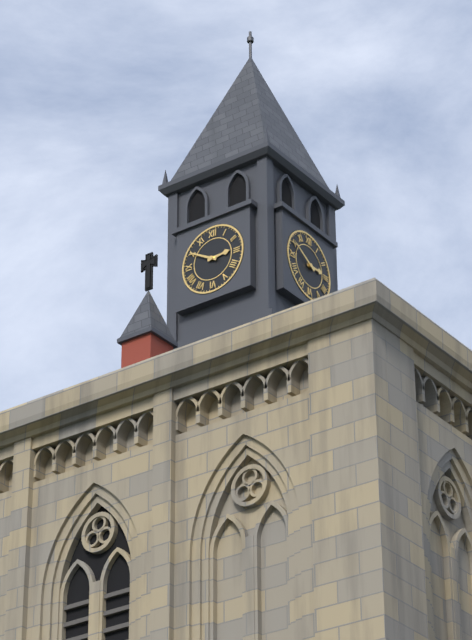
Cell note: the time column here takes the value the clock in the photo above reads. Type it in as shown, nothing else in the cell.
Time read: 2:50
